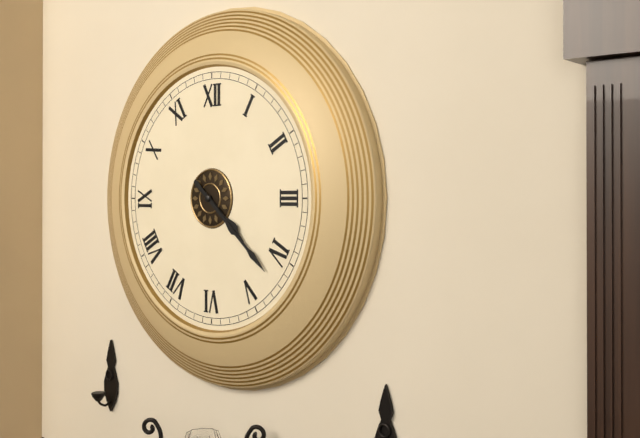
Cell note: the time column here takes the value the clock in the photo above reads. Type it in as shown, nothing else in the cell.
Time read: 4:22
